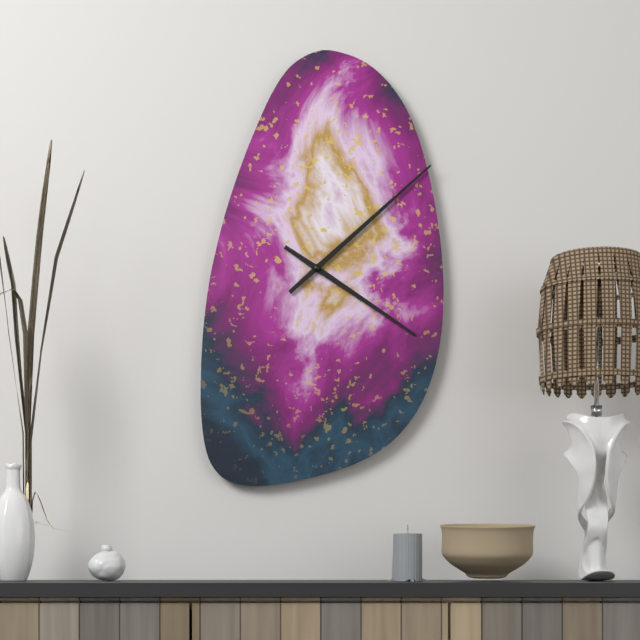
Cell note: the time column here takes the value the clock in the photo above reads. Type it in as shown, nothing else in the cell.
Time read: 4:08
